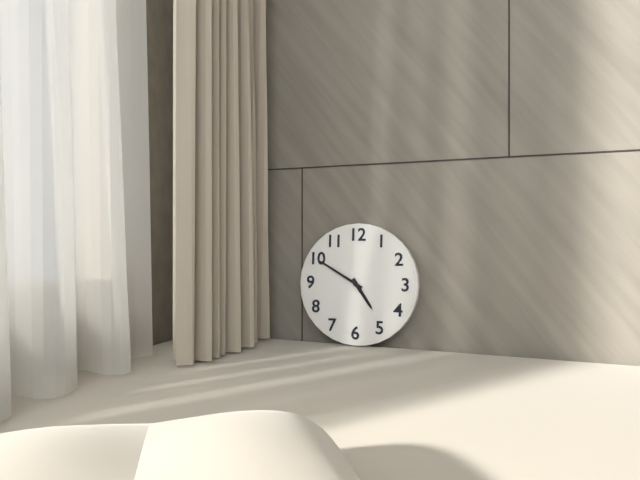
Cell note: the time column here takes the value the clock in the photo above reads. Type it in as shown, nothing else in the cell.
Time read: 4:50
